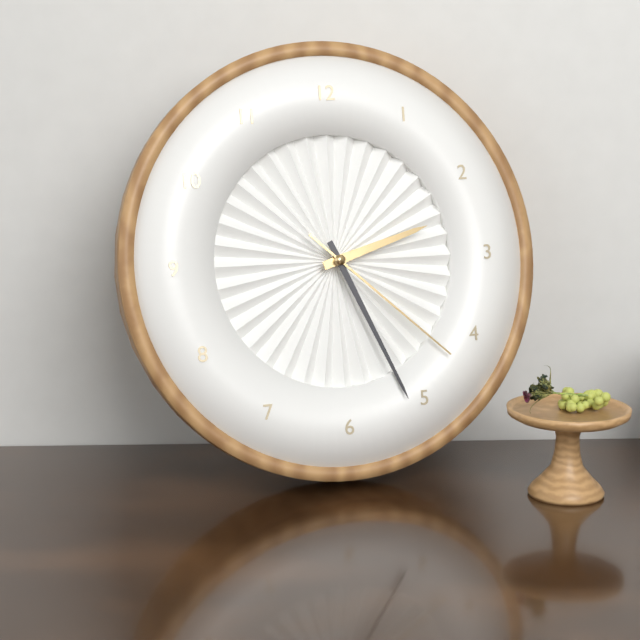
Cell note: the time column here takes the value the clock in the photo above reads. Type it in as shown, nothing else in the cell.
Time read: 2:26:22
